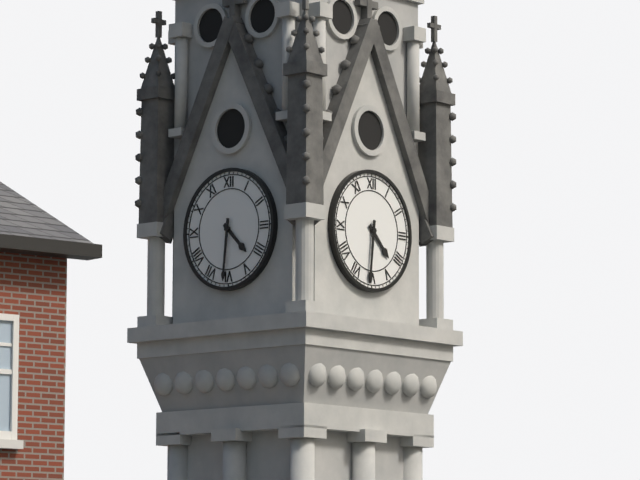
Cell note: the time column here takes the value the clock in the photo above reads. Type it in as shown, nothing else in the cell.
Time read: 4:31
